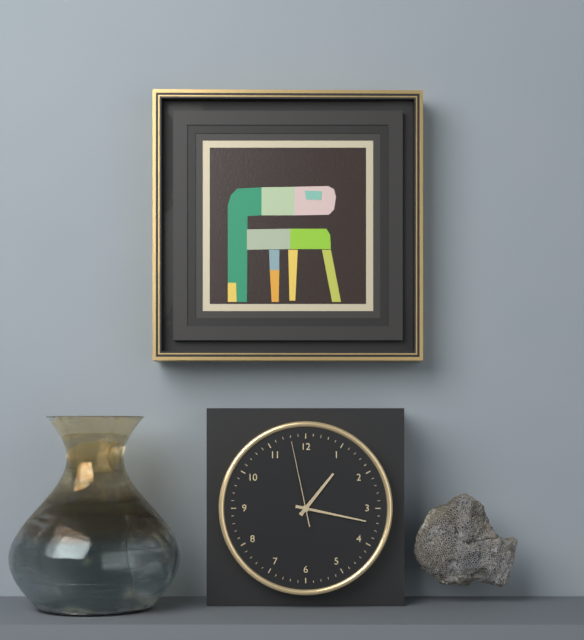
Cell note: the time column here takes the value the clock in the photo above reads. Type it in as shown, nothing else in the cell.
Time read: 1:17:58
